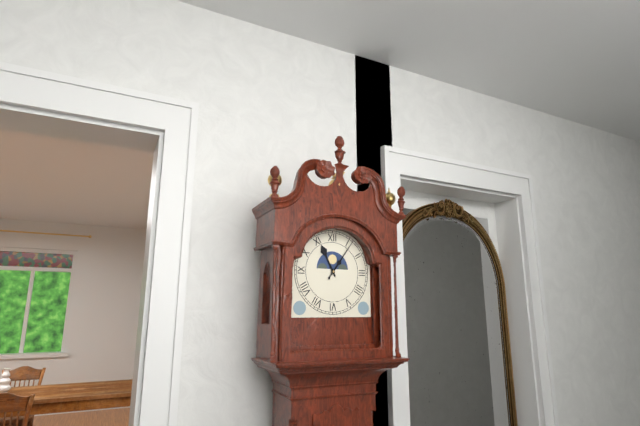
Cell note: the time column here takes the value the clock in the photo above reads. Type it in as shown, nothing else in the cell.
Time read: 11:06
